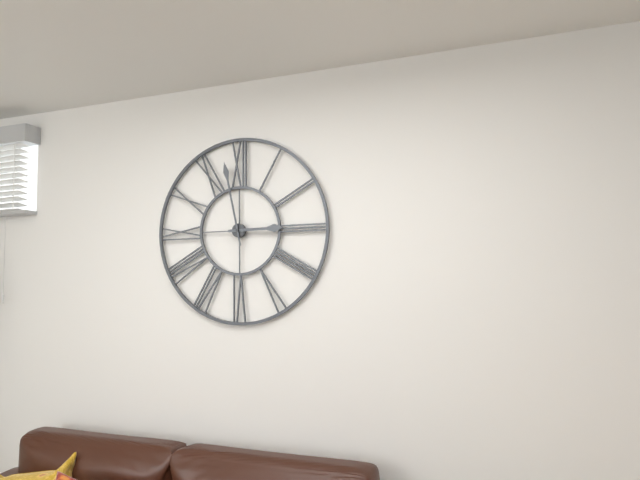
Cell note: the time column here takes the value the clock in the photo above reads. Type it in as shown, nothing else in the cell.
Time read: 2:58
